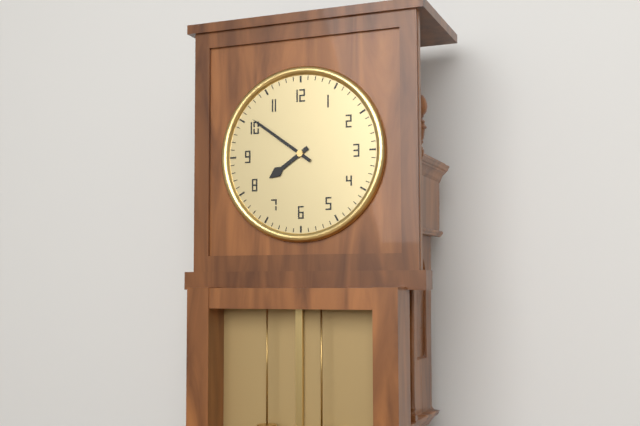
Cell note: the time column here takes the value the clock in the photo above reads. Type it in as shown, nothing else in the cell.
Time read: 7:51
